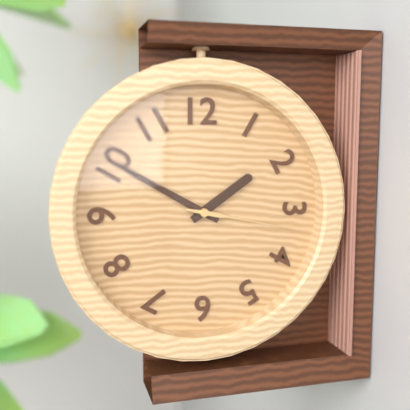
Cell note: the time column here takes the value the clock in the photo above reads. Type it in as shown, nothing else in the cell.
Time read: 1:50:17
